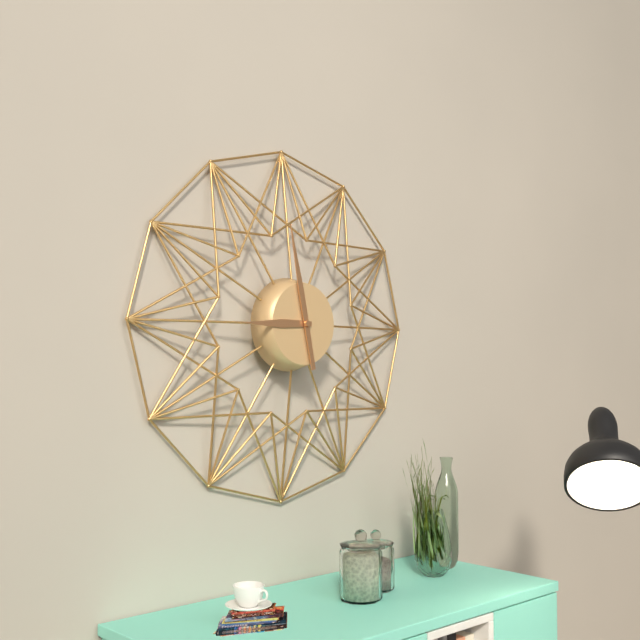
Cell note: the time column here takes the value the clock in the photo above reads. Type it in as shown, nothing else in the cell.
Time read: 8:58
